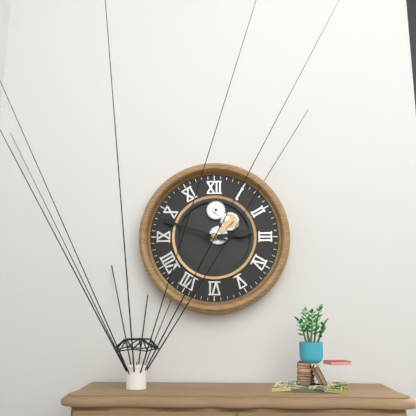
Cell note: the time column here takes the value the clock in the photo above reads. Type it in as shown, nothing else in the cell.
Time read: 2:48
